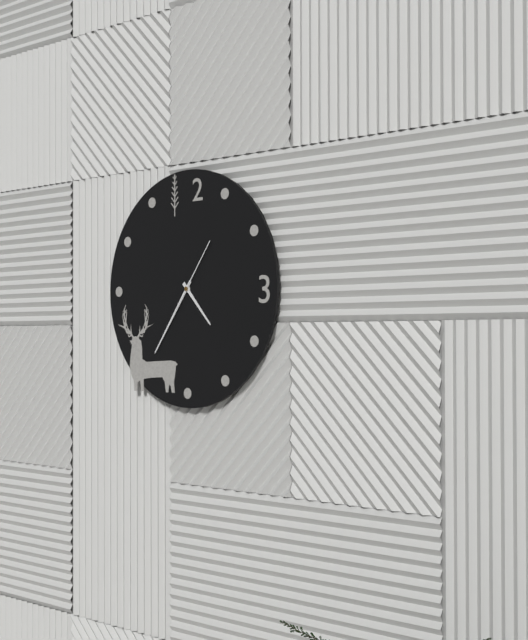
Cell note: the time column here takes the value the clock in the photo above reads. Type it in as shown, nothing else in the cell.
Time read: 4:36:06
